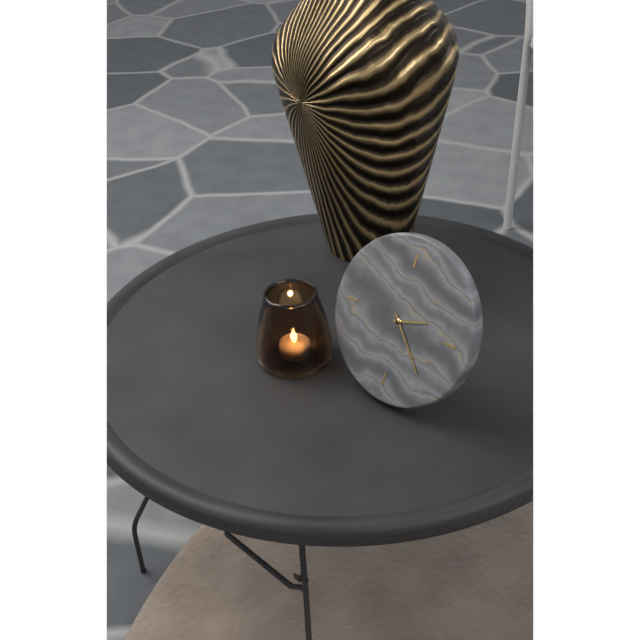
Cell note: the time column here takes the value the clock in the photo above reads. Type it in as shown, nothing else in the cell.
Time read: 2:23
